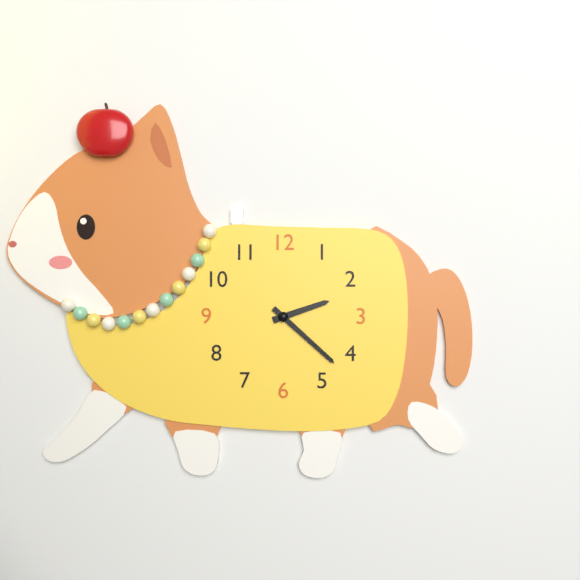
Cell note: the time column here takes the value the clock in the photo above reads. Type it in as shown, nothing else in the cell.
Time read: 2:22
